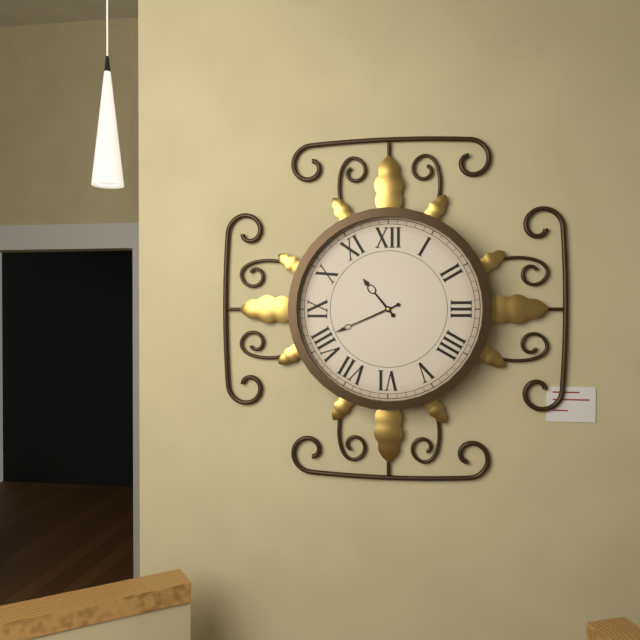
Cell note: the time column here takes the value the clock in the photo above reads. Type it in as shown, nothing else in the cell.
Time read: 10:41
